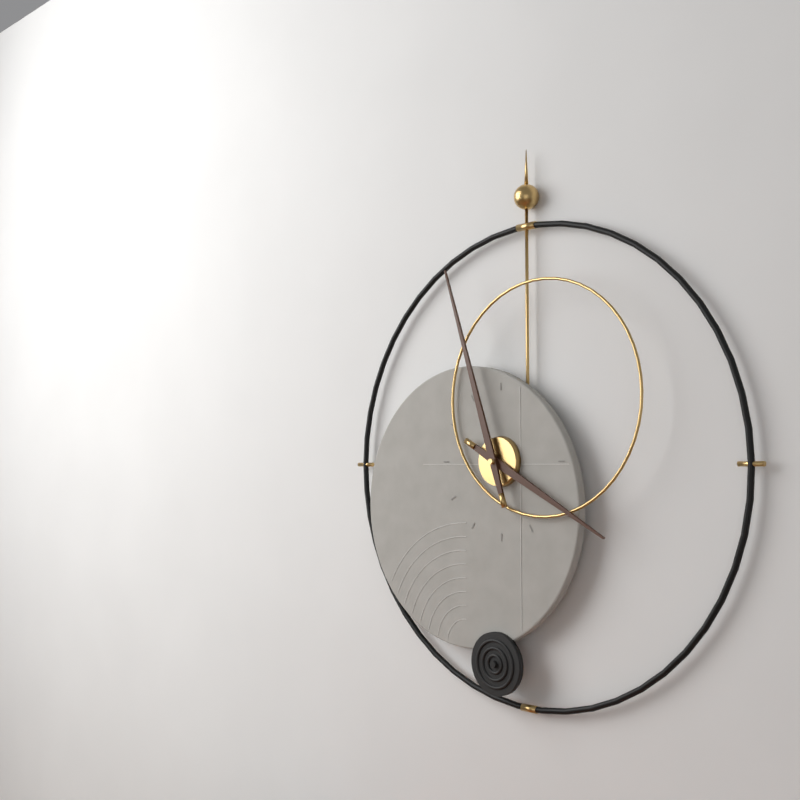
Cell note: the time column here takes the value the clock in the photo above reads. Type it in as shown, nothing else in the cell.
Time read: 3:57
